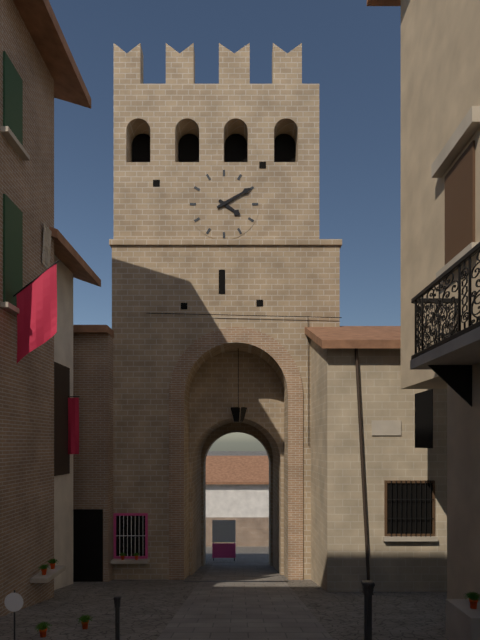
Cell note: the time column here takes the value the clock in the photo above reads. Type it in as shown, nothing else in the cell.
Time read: 4:10
